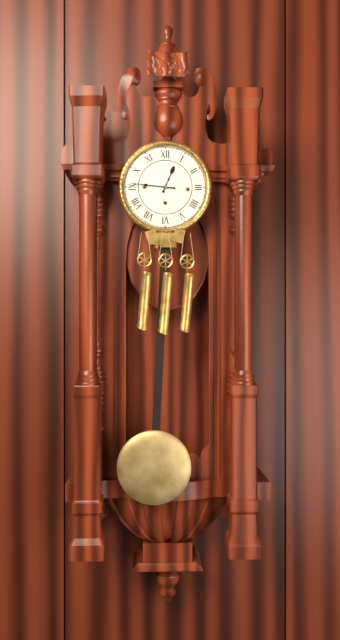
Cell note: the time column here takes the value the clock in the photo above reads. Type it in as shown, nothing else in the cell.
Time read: 12:46
